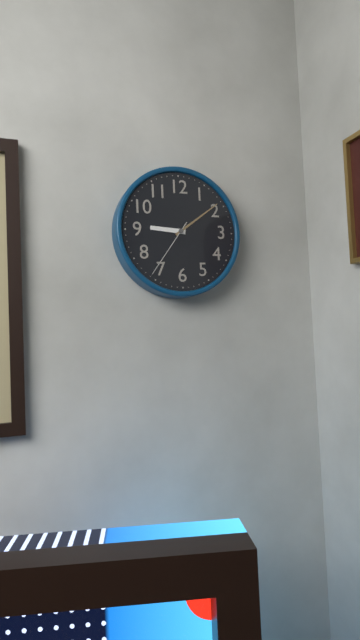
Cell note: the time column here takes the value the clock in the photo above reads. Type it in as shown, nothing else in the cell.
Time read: 9:09:36
